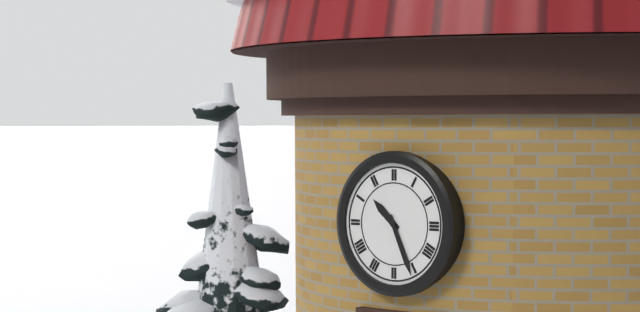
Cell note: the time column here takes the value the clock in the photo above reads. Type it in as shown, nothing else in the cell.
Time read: 10:26
